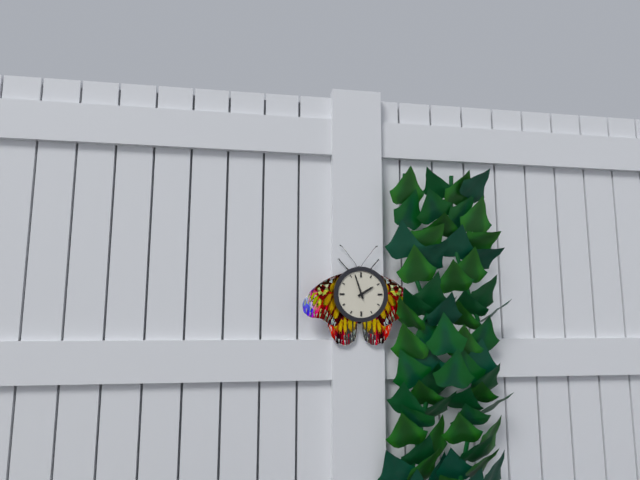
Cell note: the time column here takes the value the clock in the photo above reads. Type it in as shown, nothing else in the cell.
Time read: 1:57
